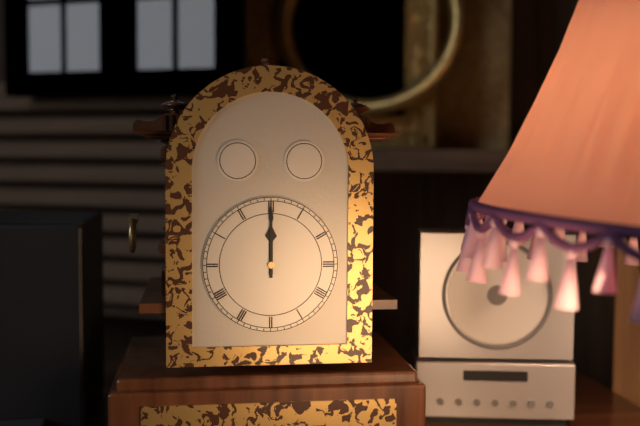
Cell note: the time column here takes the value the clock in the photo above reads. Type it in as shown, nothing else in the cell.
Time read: 12:00
